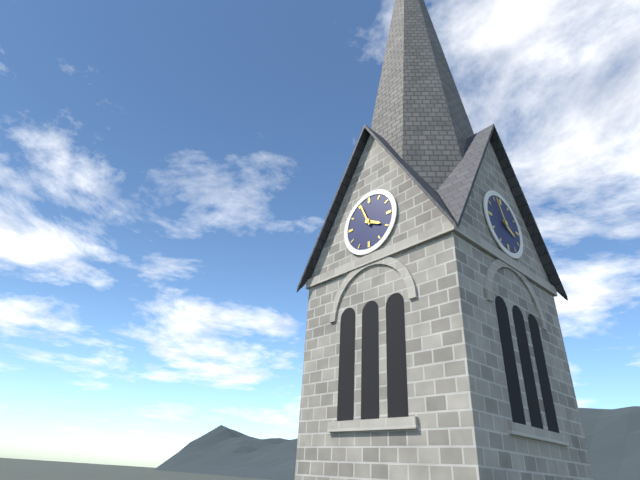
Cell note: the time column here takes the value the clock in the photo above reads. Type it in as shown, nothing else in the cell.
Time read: 3:56
